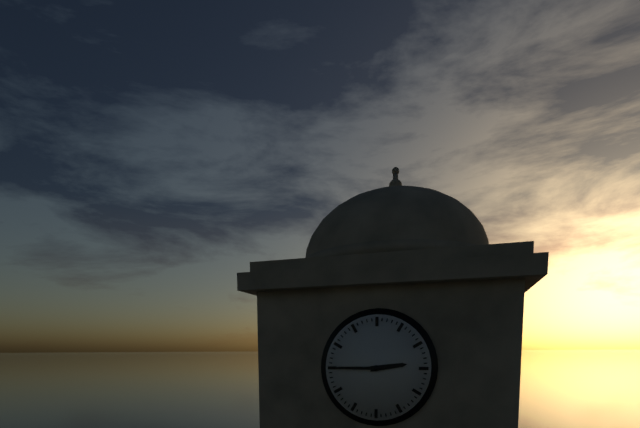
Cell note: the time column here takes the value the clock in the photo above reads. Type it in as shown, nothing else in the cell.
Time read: 2:45
